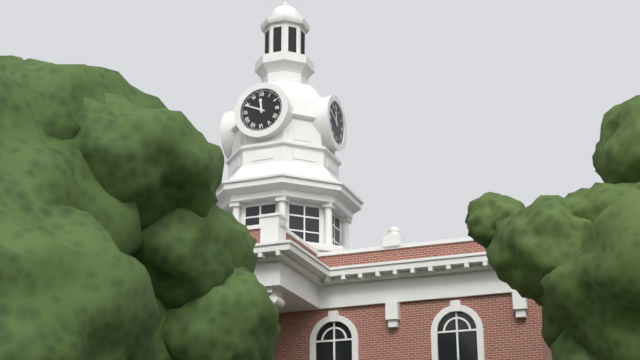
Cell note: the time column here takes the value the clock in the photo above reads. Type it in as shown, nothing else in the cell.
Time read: 11:49
